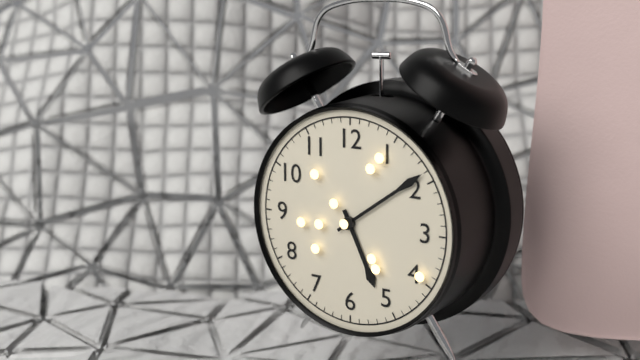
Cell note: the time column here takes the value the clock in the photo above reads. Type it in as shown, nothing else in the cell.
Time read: 5:09
